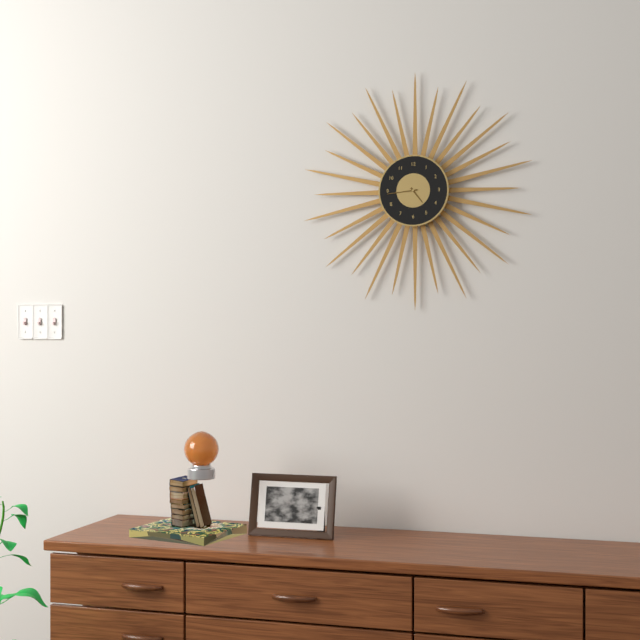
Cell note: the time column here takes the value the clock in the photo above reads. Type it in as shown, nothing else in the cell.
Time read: 4:44
